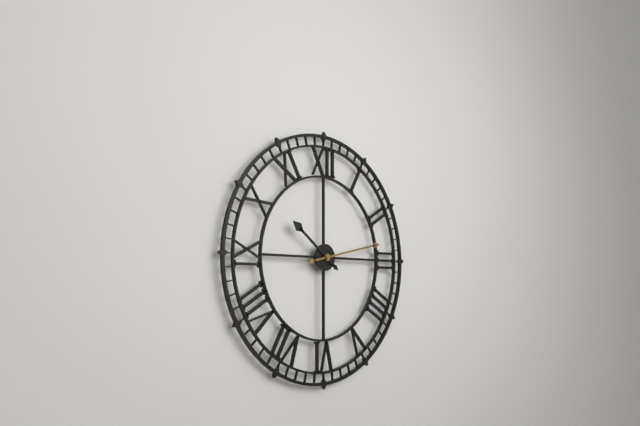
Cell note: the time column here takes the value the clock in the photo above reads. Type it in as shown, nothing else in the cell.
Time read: 10:13
